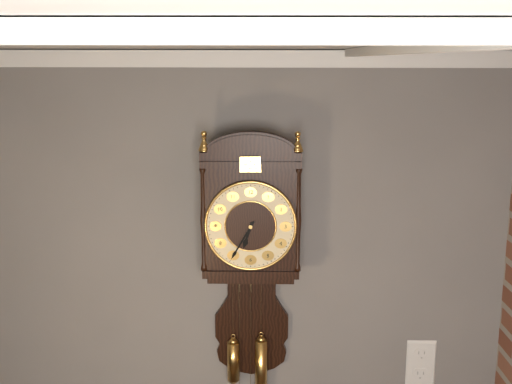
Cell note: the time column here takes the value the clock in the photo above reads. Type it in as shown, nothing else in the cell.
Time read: 6:35
